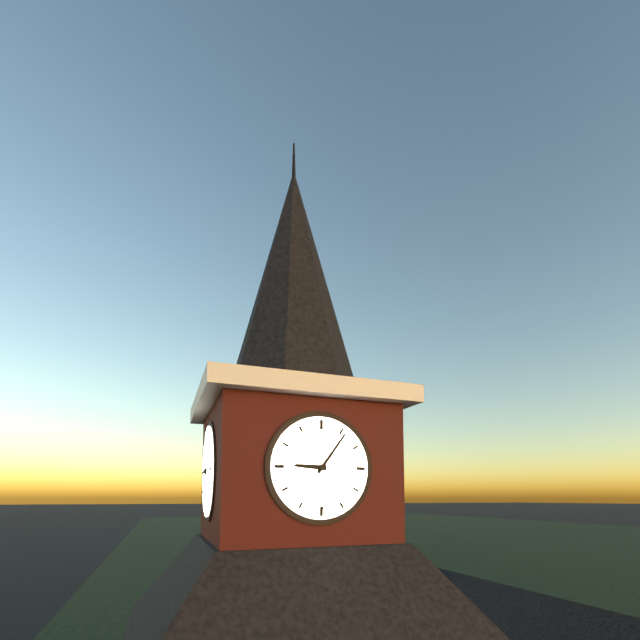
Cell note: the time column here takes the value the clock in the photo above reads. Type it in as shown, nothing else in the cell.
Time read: 9:06
